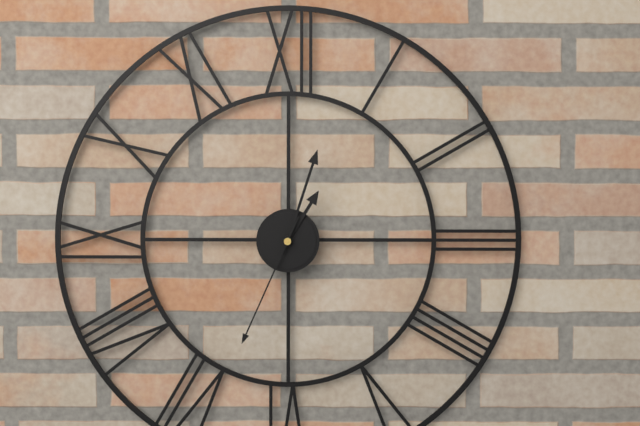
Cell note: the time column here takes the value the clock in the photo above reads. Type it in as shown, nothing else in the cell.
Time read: 1:03:34
